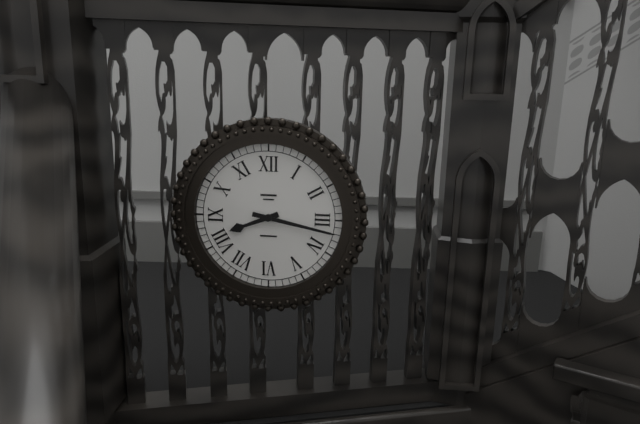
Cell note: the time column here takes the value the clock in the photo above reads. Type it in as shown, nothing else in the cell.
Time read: 8:17
